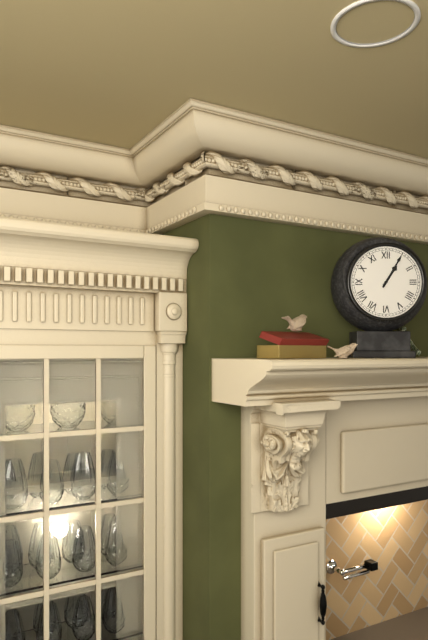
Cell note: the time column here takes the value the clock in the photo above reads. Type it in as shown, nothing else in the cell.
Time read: 1:05
